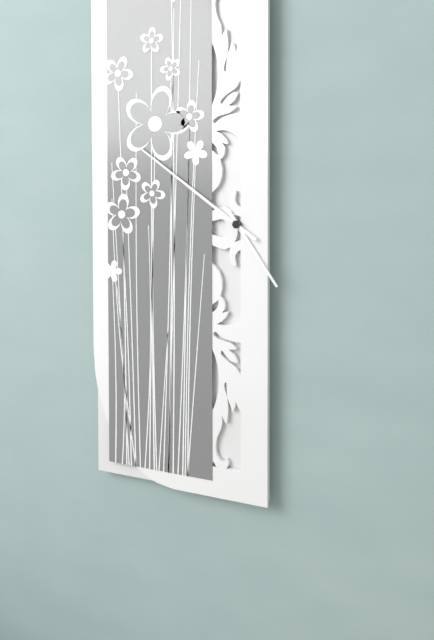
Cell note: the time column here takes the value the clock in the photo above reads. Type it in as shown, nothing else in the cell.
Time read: 4:51
